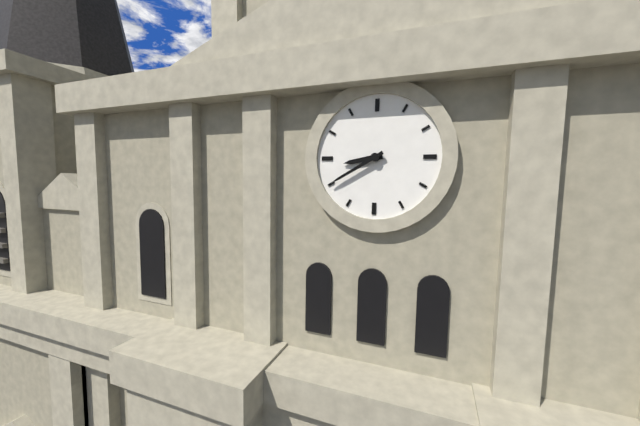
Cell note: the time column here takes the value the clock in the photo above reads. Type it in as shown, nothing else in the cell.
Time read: 8:40
